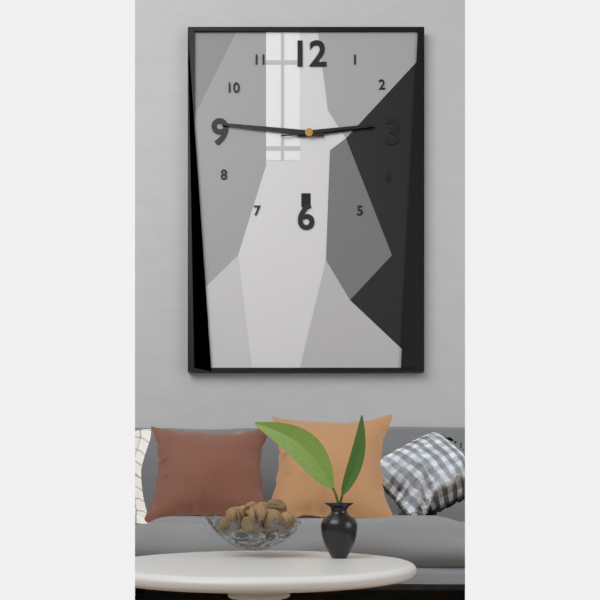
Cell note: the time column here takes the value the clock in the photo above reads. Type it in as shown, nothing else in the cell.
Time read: 2:46:14
